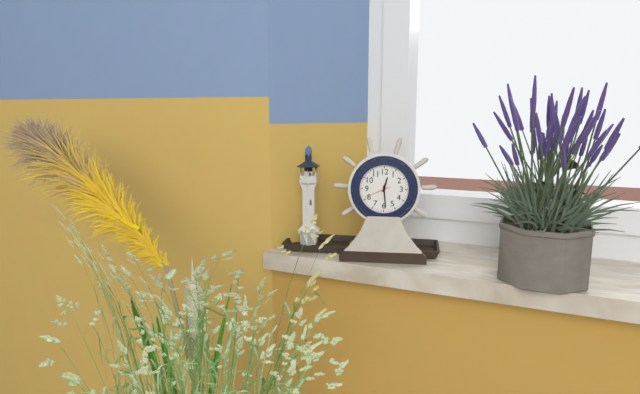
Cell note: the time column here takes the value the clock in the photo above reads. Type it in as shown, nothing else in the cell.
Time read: 12:29
